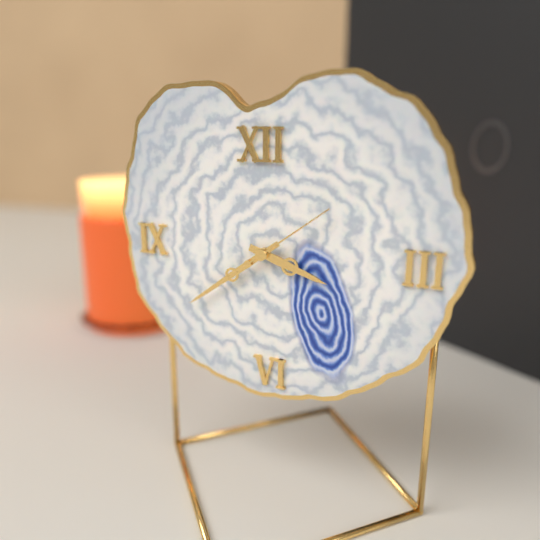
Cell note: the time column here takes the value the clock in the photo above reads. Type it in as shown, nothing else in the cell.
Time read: 3:39:09
